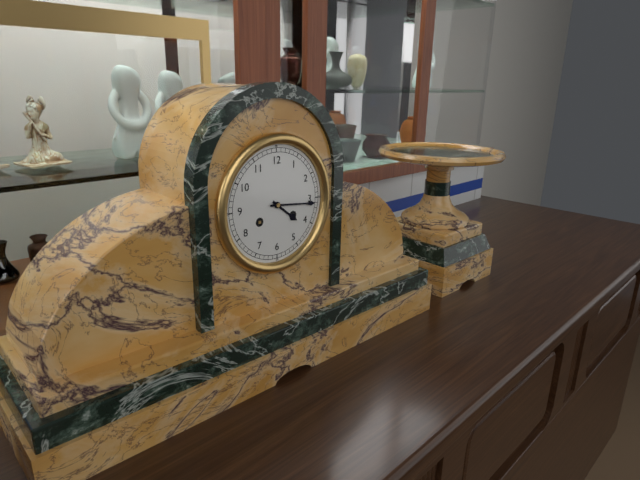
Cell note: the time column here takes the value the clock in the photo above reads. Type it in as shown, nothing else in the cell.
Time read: 4:16
